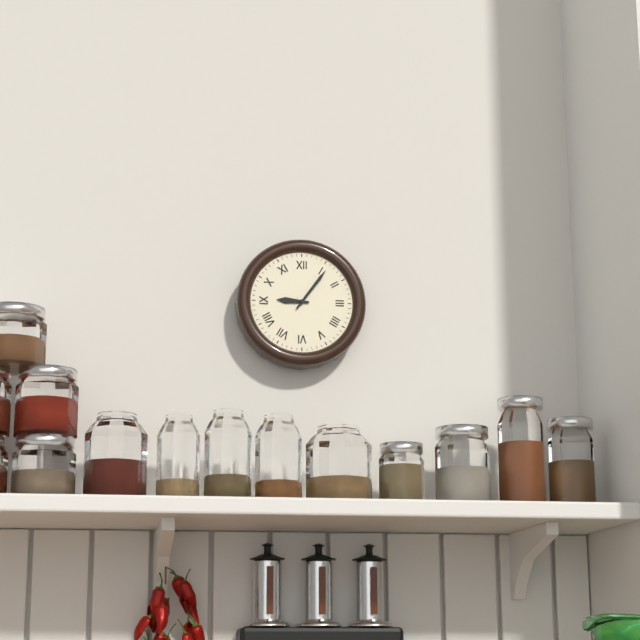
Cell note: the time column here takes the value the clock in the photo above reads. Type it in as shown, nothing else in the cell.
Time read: 9:06
